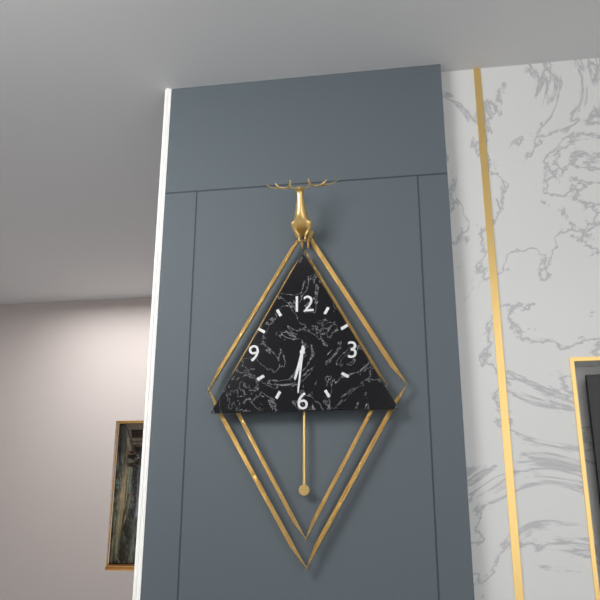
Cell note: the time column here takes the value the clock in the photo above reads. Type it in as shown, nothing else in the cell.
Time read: 6:31
